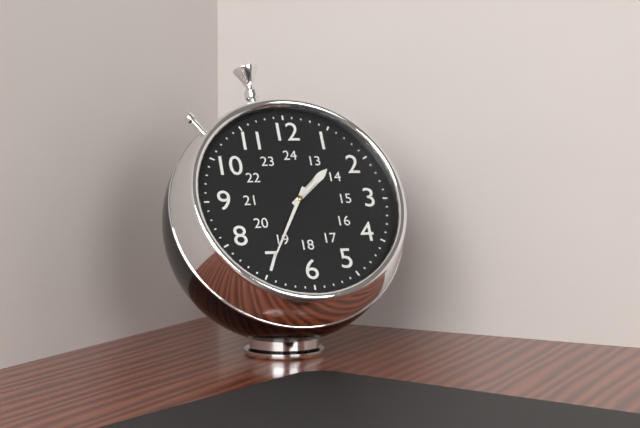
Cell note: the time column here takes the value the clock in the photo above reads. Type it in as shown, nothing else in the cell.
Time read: 1:35
